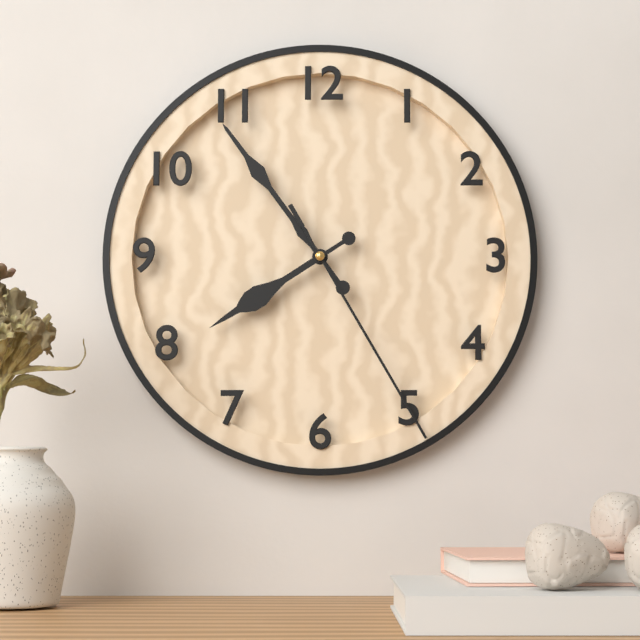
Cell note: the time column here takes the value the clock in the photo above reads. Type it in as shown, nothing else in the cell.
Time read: 7:54:25
